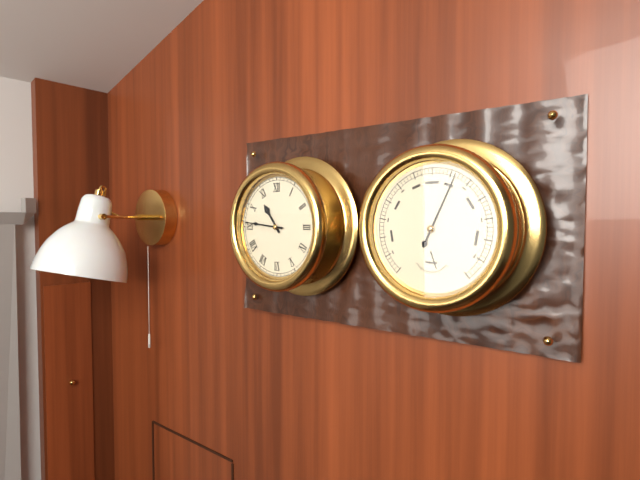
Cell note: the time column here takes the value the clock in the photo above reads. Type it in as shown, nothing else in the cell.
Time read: 10:46
